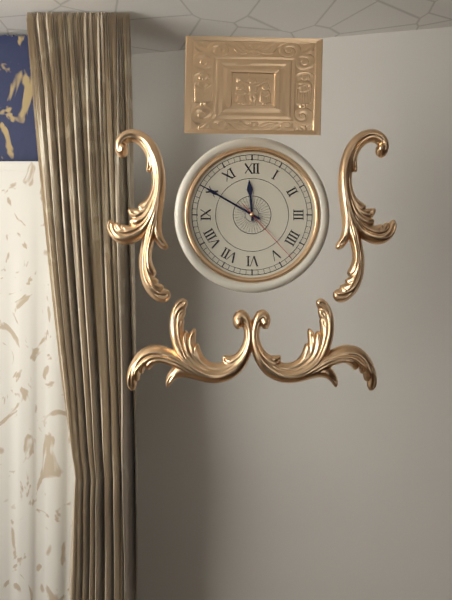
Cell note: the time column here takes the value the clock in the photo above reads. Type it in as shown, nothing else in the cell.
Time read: 11:50:23
